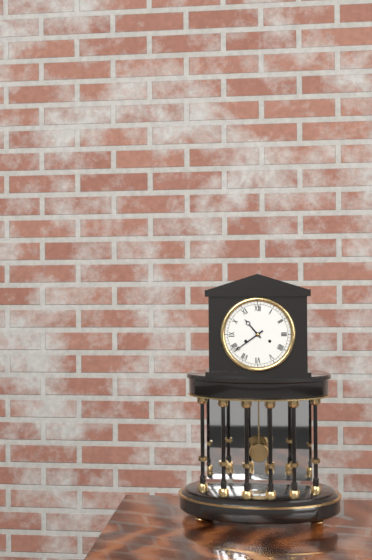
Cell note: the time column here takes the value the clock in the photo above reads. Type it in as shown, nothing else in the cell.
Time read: 10:39
